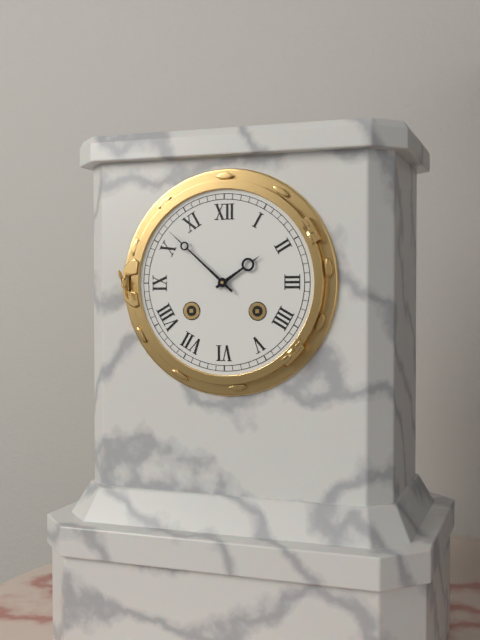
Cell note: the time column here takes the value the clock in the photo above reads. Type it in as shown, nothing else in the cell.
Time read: 1:52
